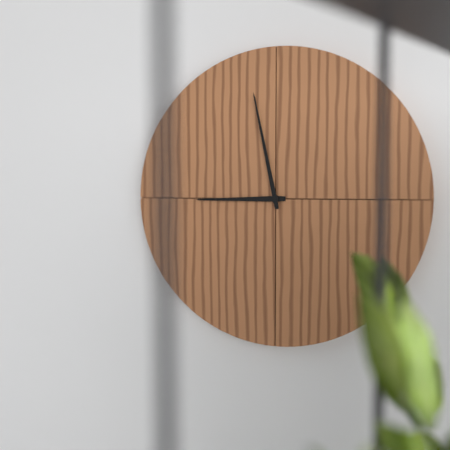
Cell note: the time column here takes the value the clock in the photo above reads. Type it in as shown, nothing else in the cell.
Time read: 8:58
